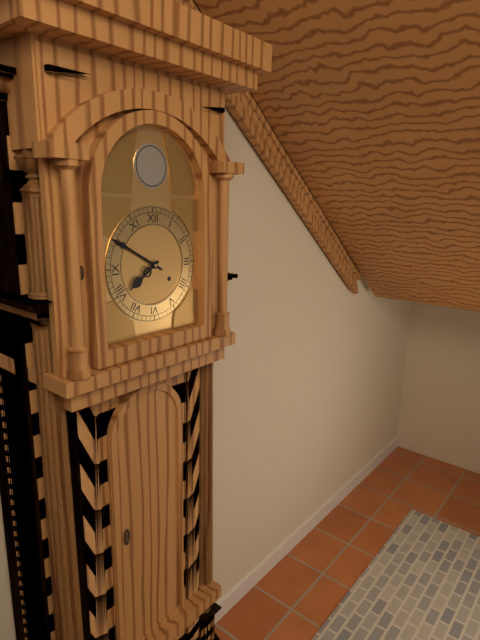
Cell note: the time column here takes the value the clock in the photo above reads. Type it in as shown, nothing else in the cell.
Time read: 7:50
